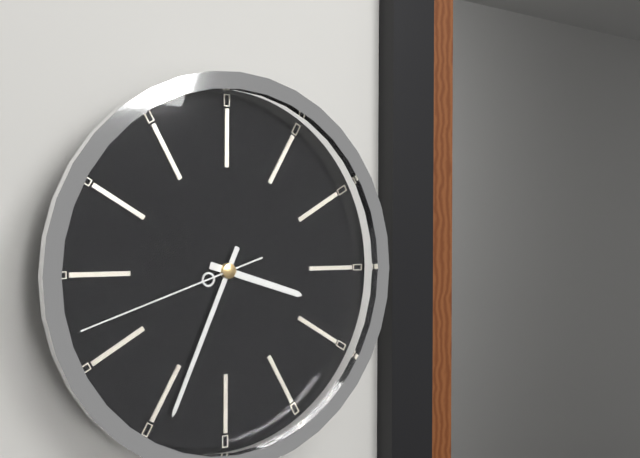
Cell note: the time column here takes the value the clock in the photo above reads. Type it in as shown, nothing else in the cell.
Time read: 3:34:42
